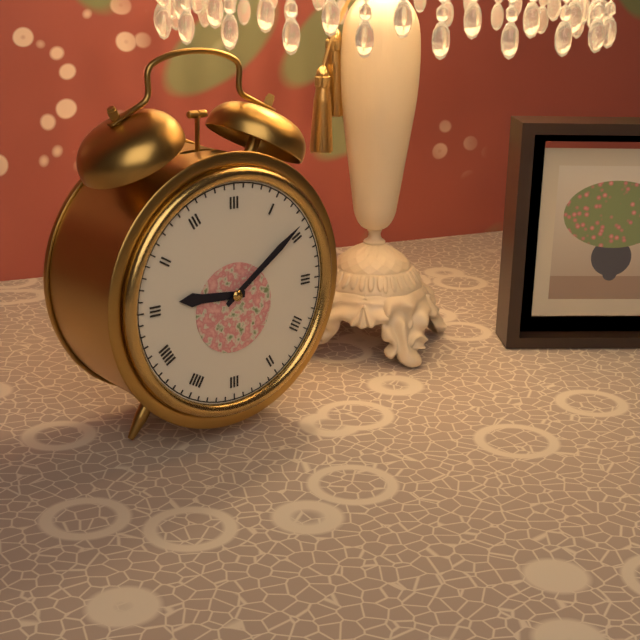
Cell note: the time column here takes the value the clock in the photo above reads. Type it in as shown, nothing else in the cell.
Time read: 9:09
